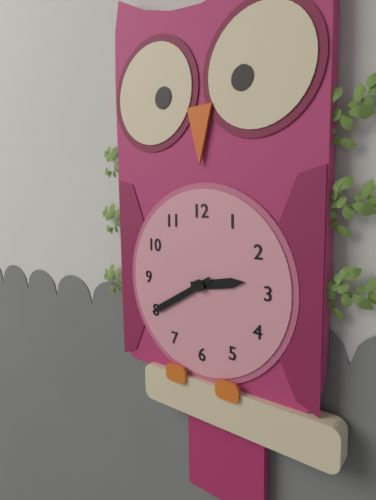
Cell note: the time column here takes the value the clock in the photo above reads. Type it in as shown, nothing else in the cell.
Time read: 2:40
